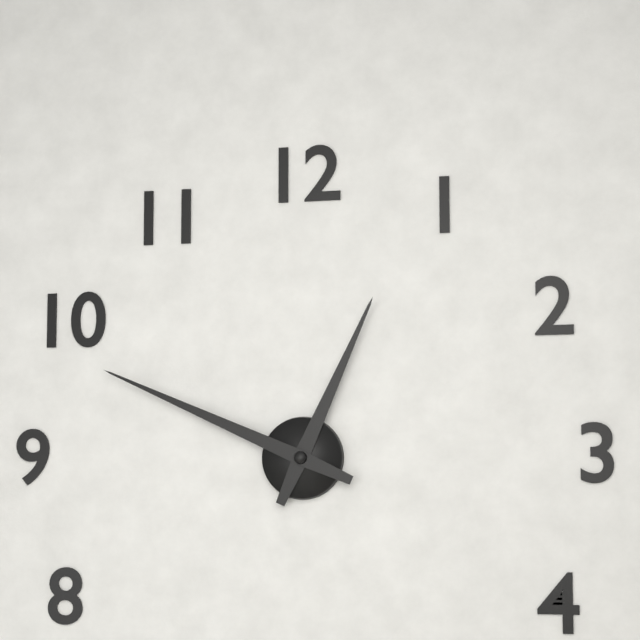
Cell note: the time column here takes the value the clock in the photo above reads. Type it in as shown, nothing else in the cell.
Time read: 12:49
